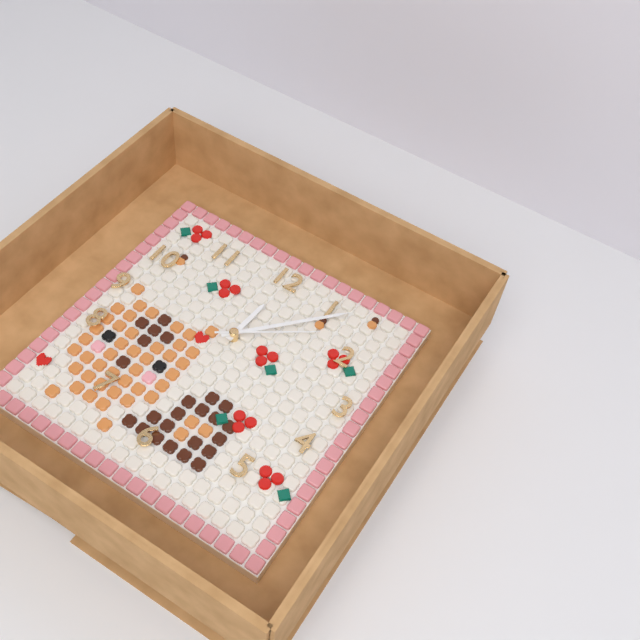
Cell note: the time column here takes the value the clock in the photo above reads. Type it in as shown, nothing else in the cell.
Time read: 12:07:09
